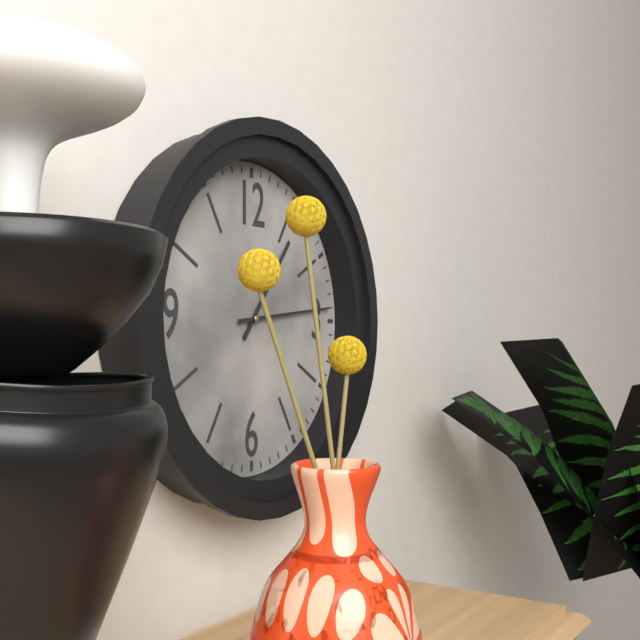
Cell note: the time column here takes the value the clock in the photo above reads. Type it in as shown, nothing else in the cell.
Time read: 1:14
